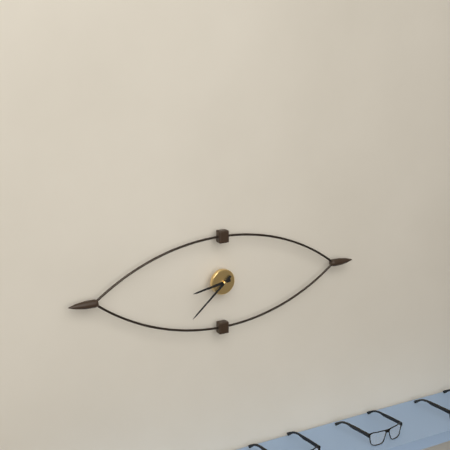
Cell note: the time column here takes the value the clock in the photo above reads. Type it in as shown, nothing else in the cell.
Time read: 8:38
